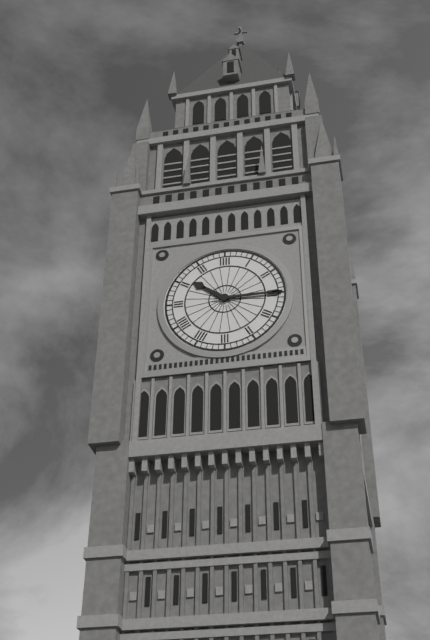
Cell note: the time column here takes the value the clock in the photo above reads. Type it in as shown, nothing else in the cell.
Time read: 10:15
